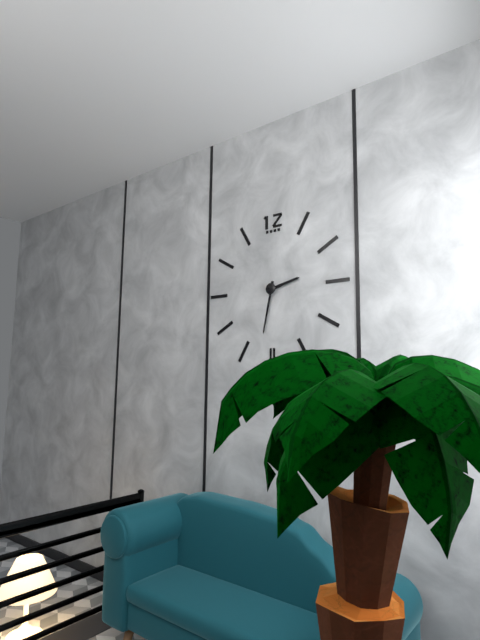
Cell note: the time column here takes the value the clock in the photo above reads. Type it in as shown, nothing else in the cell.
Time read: 2:32
